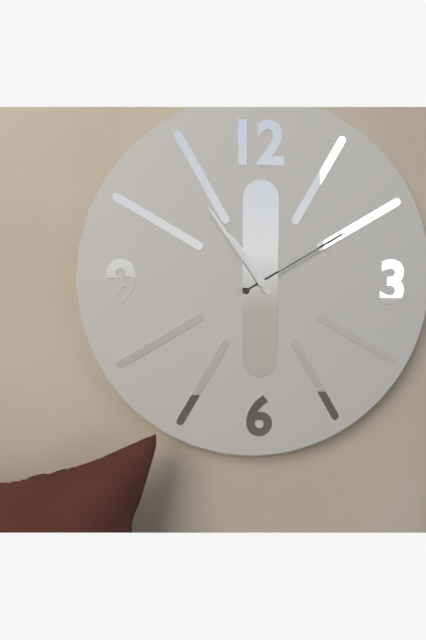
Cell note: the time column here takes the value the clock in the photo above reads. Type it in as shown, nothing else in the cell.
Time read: 10:54:10
